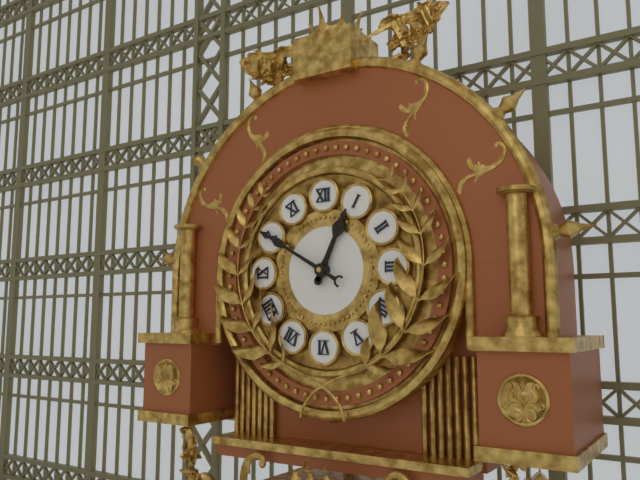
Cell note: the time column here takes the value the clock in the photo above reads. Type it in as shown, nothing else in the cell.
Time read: 12:50
